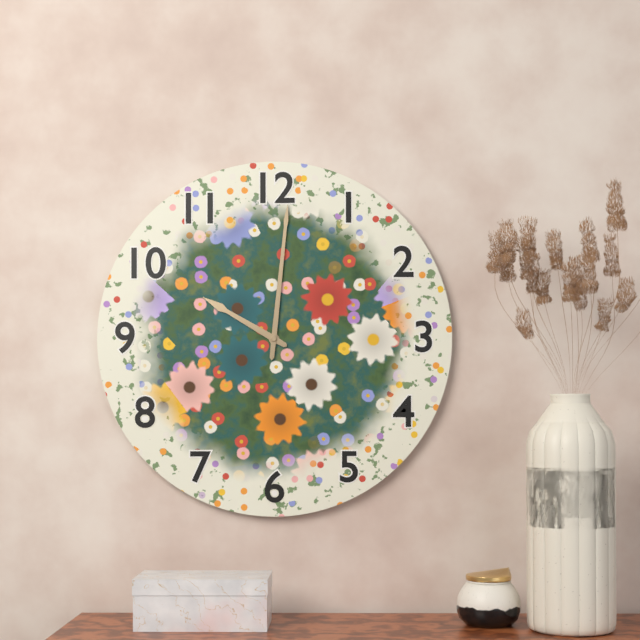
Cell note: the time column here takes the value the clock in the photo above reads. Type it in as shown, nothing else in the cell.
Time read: 10:01
